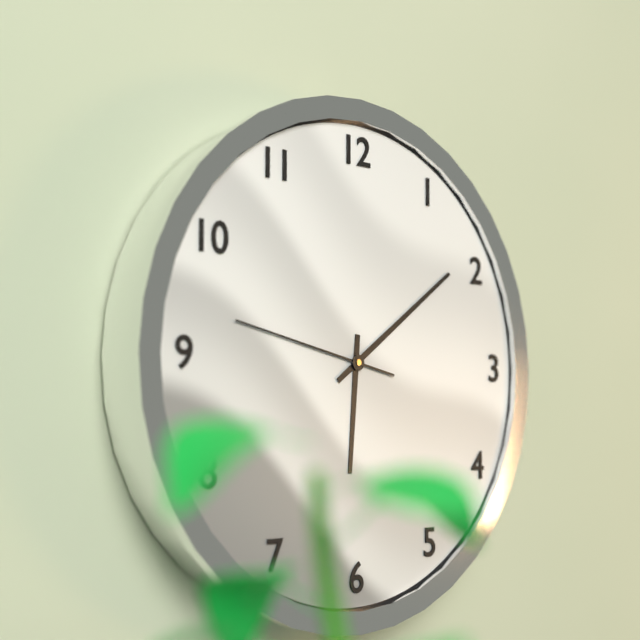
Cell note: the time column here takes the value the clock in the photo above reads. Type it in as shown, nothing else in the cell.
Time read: 6:09:47
